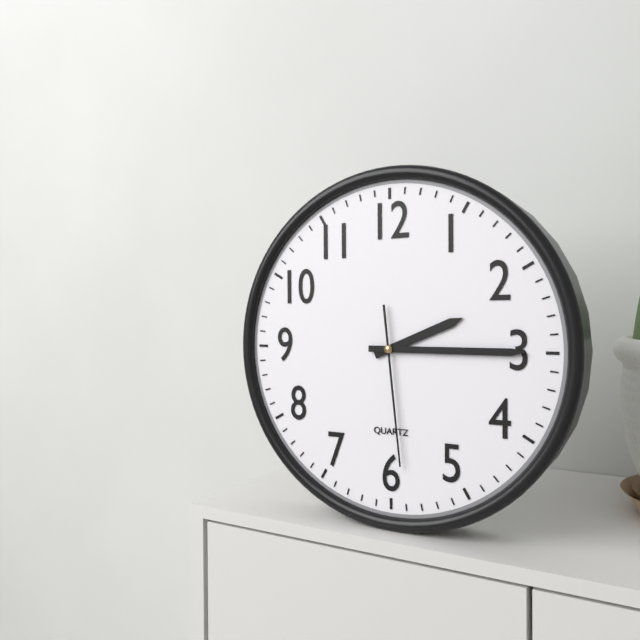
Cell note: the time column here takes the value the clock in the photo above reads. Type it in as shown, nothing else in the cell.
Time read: 2:15:29
